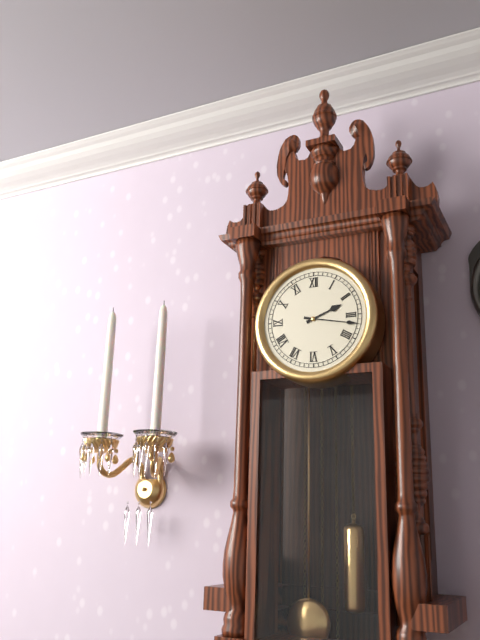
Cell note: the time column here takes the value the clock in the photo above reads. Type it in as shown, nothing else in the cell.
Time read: 2:17
